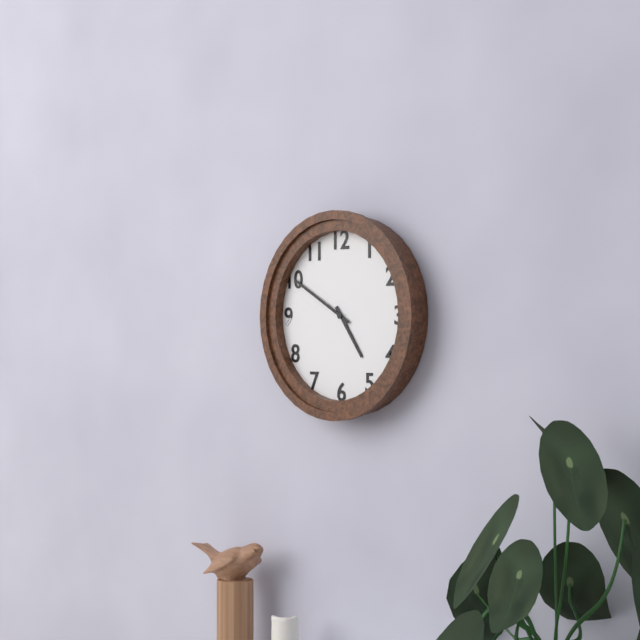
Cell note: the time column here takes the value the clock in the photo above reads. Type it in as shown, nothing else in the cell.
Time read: 4:50
